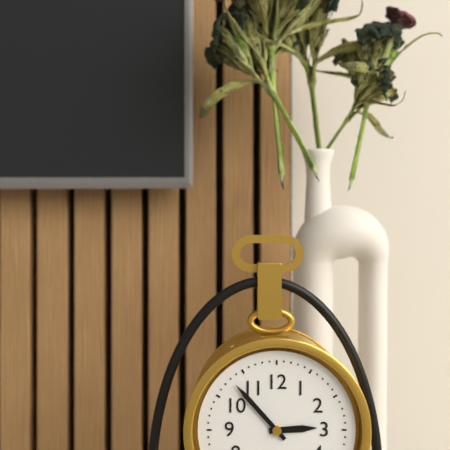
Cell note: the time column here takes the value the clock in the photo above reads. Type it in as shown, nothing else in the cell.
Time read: 2:53
